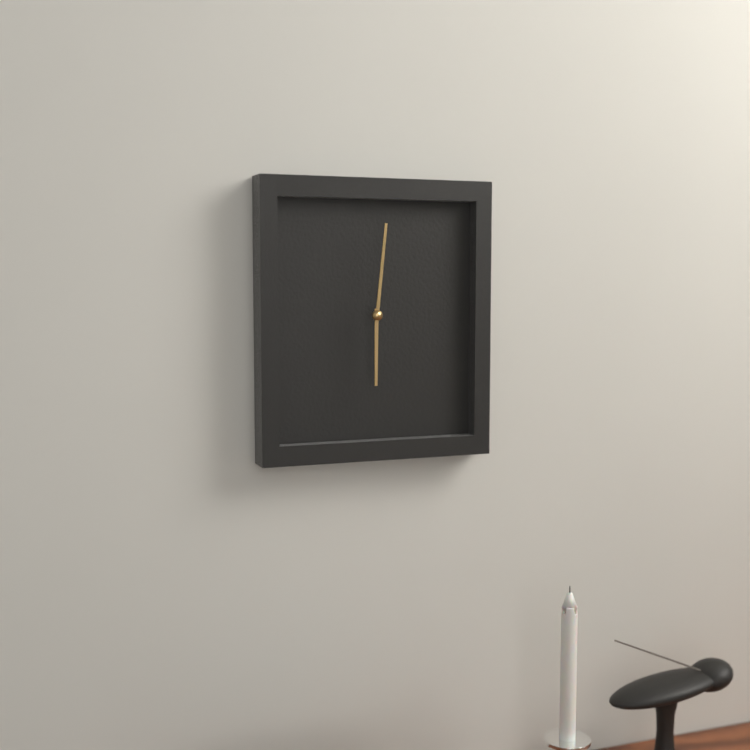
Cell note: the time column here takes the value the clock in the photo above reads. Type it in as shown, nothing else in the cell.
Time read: 6:01
